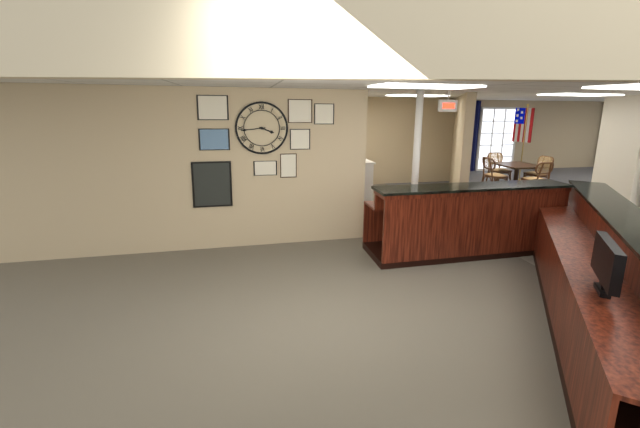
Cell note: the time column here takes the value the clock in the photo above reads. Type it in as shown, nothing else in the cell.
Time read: 3:44
